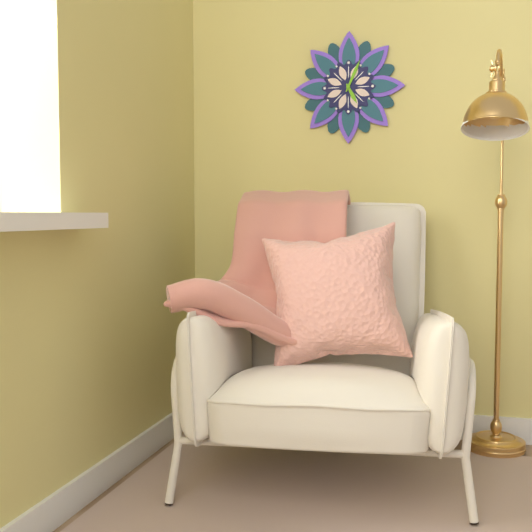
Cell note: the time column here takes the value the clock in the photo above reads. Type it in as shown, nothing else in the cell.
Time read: 5:04
